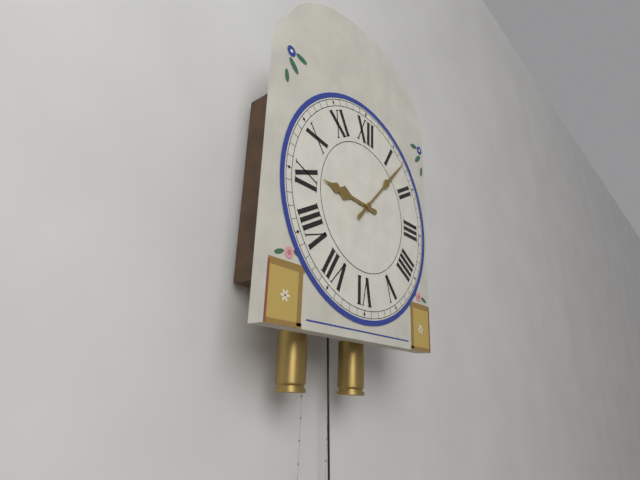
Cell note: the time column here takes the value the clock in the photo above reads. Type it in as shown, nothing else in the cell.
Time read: 9:07
